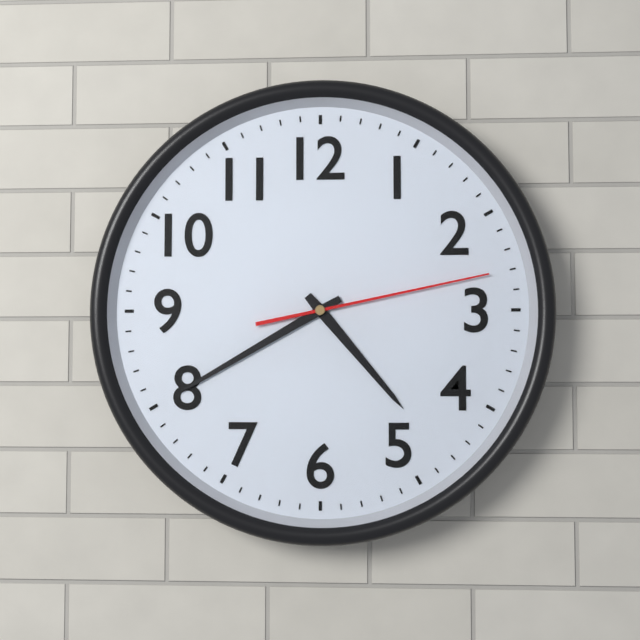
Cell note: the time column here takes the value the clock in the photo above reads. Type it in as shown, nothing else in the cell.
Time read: 4:40:13
